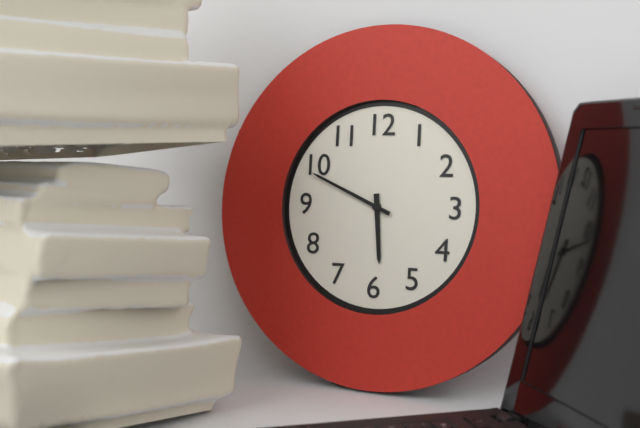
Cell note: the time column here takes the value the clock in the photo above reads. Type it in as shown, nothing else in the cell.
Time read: 5:49
